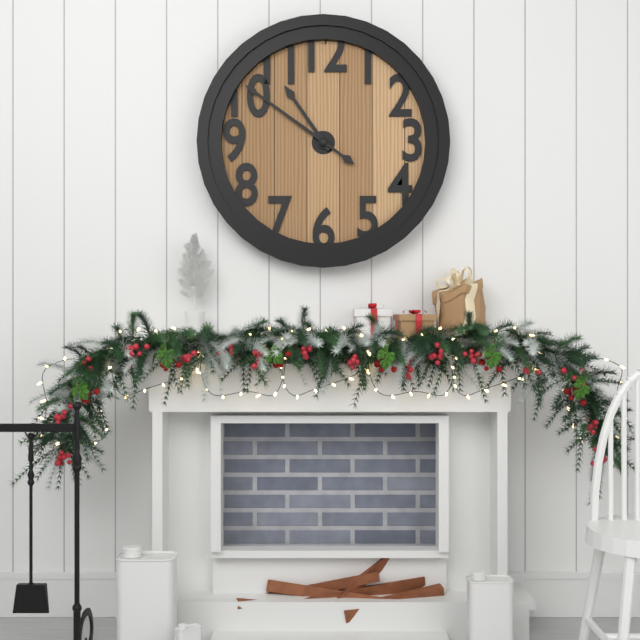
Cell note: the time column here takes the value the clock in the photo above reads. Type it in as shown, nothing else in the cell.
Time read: 10:51
